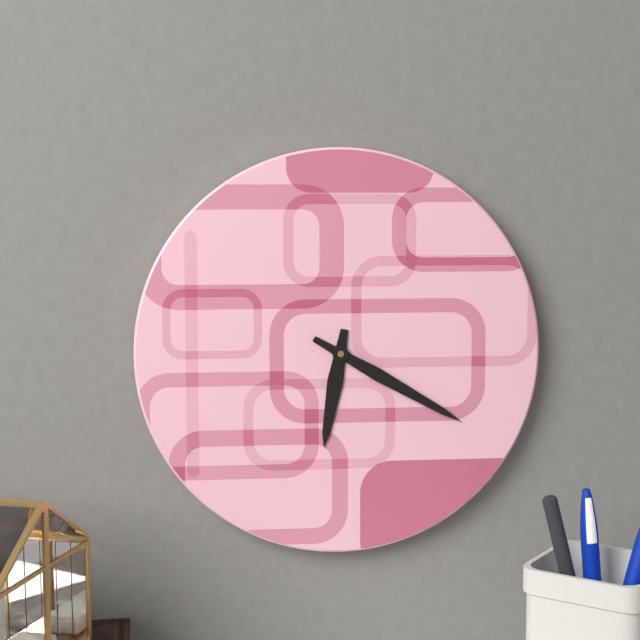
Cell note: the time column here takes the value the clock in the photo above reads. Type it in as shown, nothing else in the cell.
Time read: 6:20
